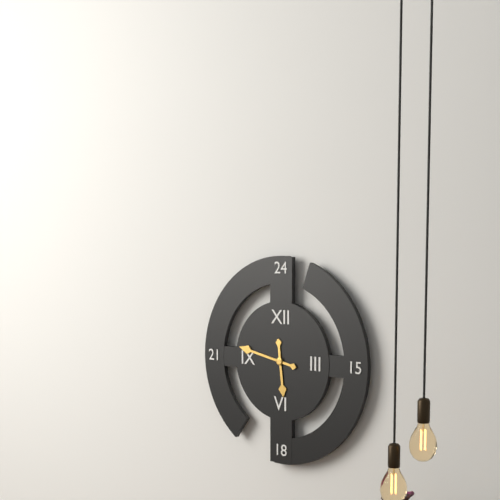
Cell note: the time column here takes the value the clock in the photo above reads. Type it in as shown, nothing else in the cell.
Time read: 5:47
